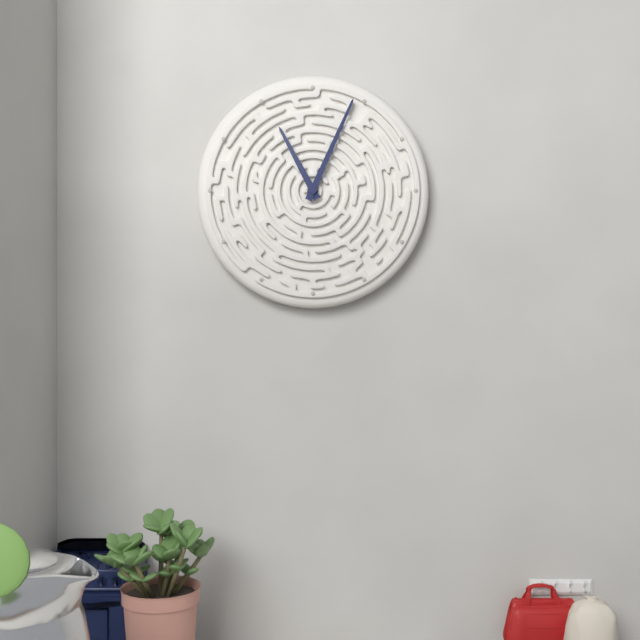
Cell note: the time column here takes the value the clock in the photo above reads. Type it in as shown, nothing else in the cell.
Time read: 11:04
